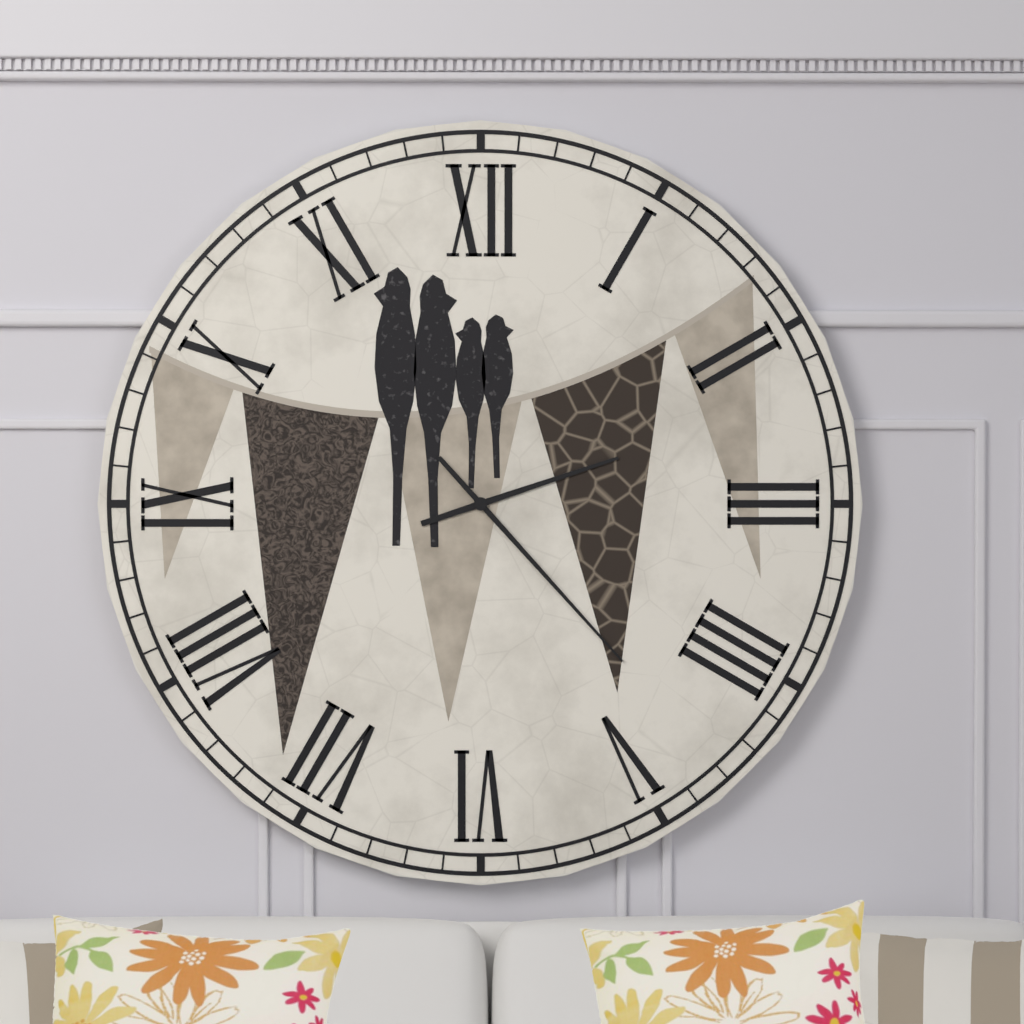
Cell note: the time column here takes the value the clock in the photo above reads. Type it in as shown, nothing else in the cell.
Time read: 2:23
